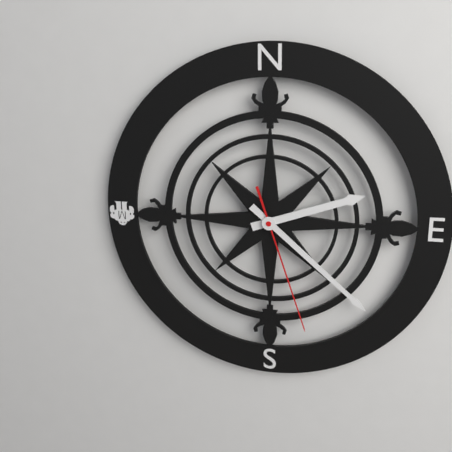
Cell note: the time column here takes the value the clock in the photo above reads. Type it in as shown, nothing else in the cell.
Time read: 2:22:27
